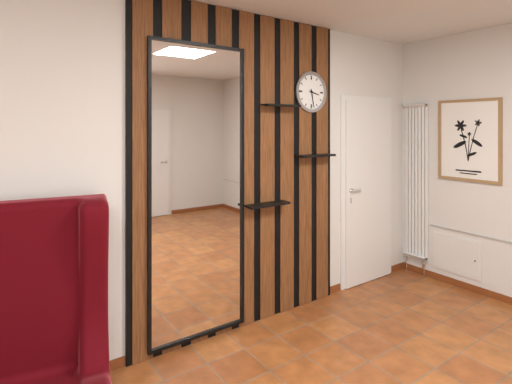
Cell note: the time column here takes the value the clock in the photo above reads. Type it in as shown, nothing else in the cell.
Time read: 3:28
